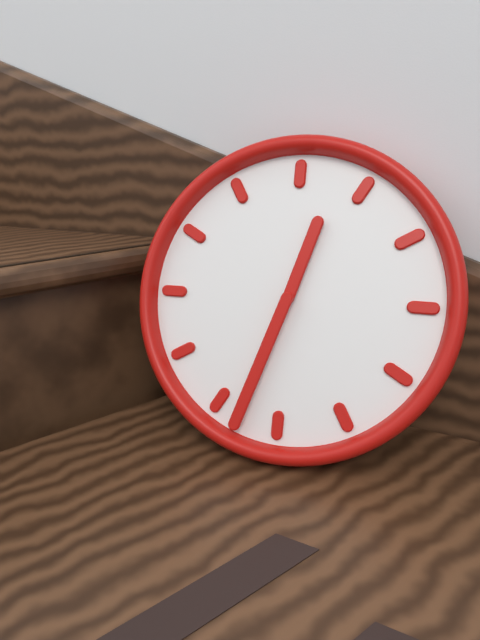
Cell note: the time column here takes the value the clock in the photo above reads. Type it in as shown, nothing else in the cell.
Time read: 12:33
